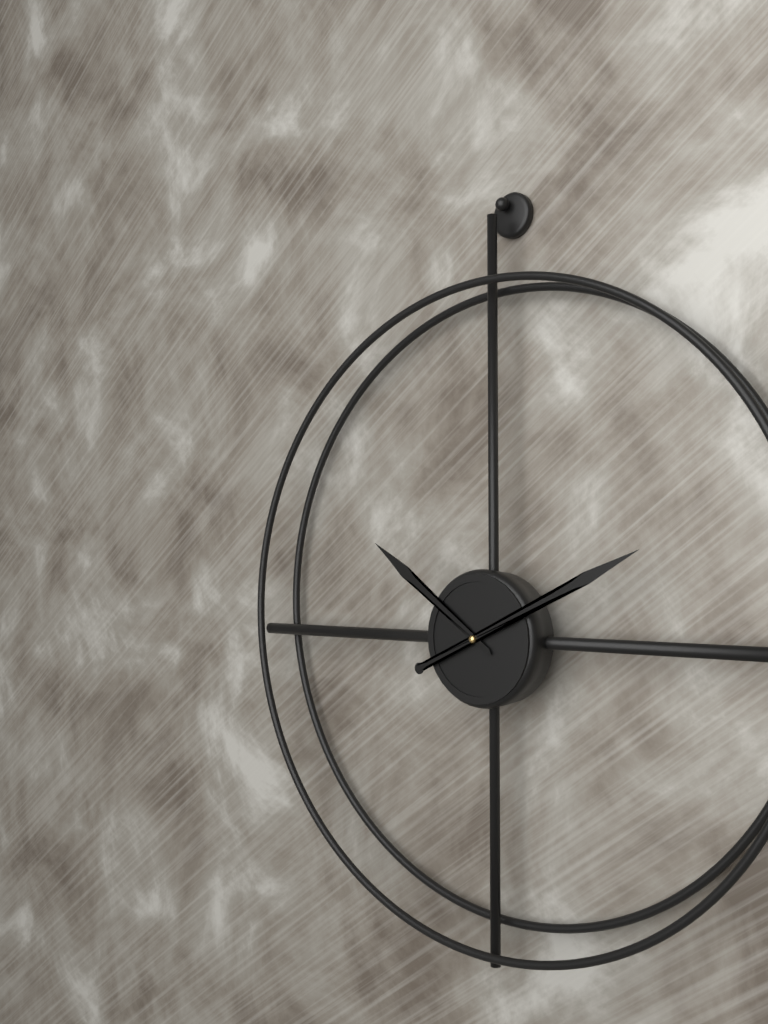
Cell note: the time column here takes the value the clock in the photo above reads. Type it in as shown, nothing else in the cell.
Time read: 10:11
